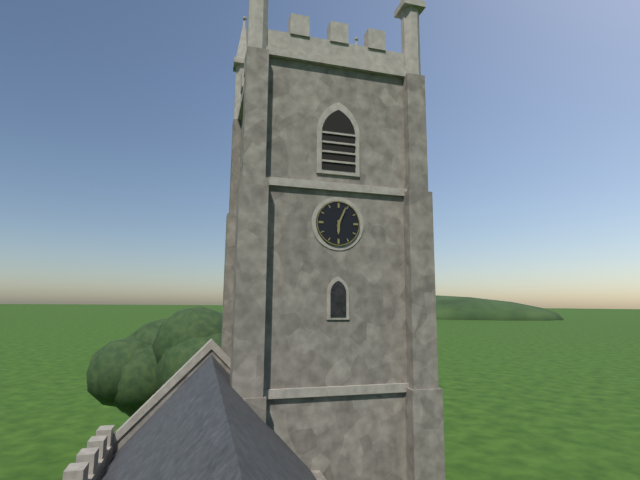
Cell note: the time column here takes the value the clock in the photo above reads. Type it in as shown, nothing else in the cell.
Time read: 6:04
